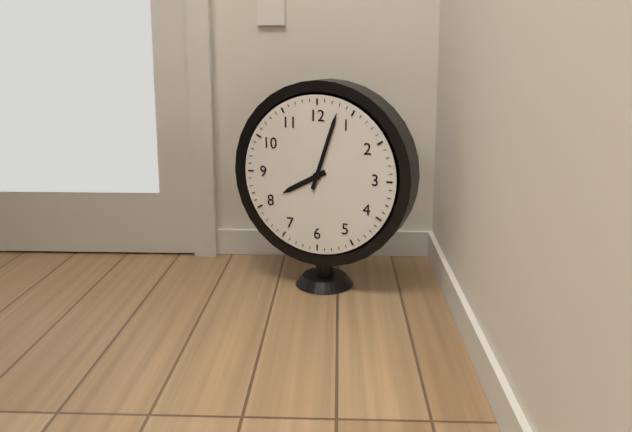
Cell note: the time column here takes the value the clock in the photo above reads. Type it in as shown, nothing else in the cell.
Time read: 8:03
